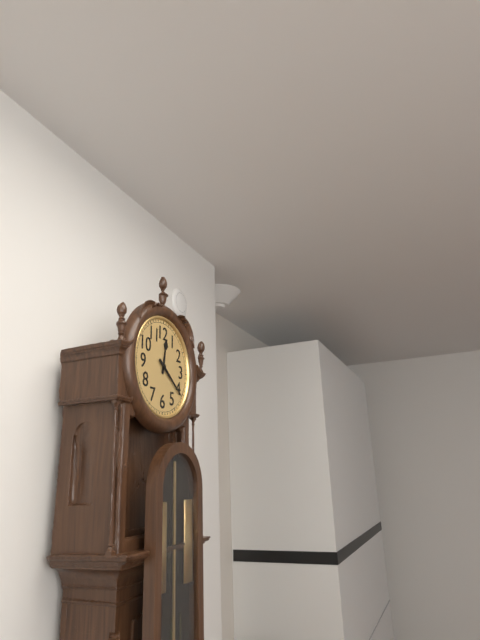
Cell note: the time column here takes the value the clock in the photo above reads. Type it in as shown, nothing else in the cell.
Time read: 12:21
